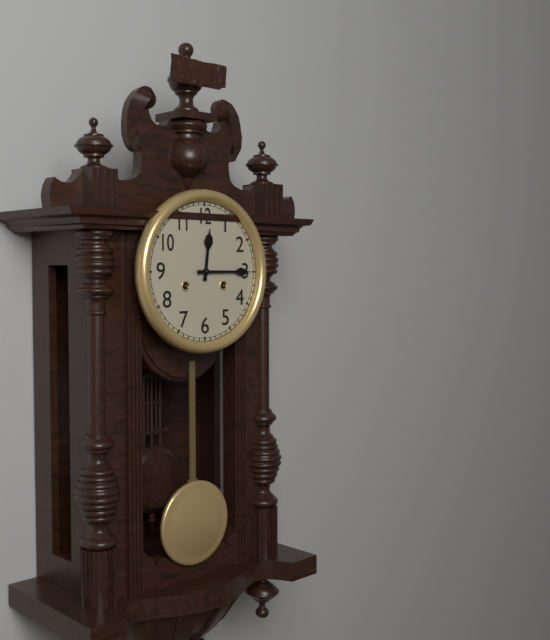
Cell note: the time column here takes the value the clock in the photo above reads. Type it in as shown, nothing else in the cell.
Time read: 12:15
